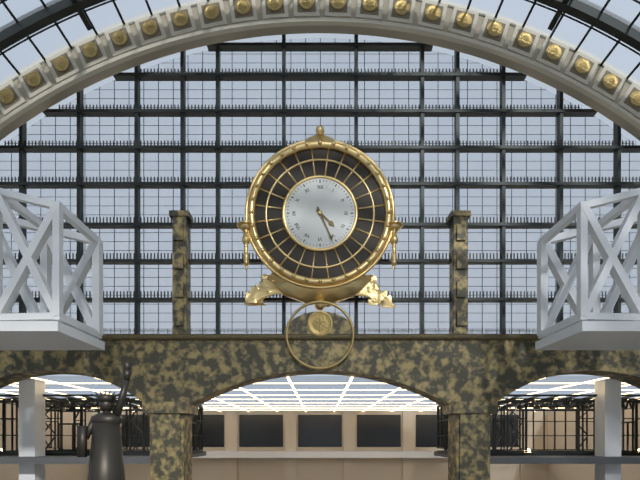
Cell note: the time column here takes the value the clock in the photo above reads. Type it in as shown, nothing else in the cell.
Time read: 4:26
